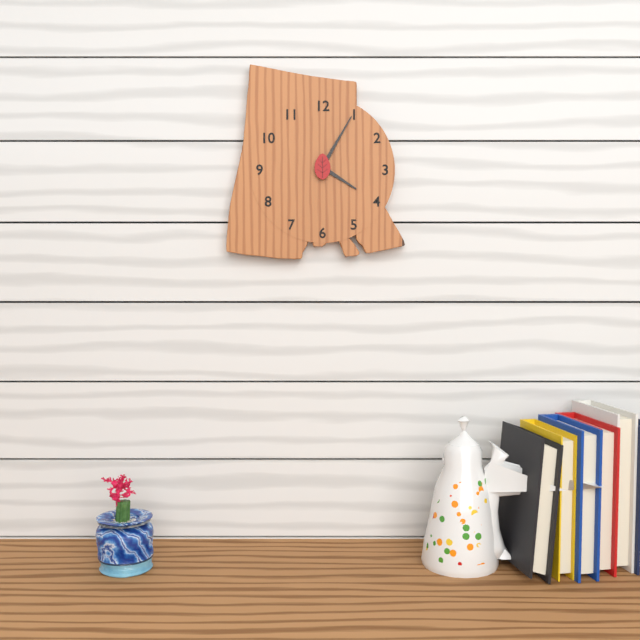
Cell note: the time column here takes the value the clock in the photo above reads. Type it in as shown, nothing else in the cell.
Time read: 4:05
